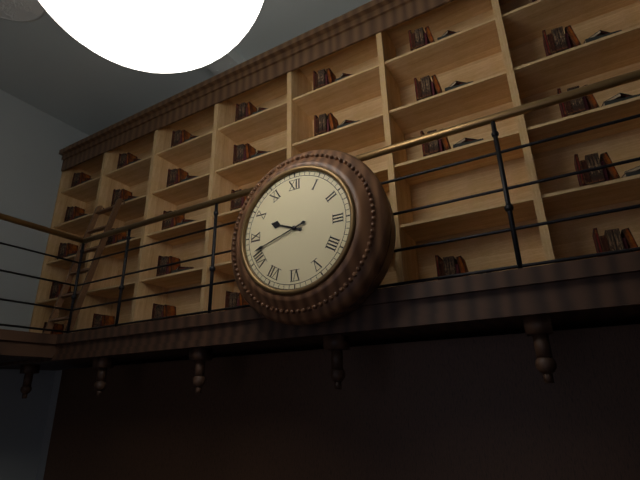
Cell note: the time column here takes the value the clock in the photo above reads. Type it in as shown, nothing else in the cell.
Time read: 9:42
